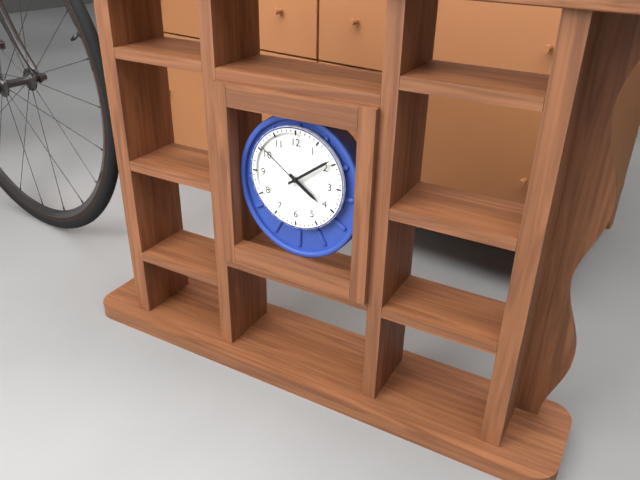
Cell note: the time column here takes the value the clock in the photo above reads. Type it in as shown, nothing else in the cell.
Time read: 4:09:51
